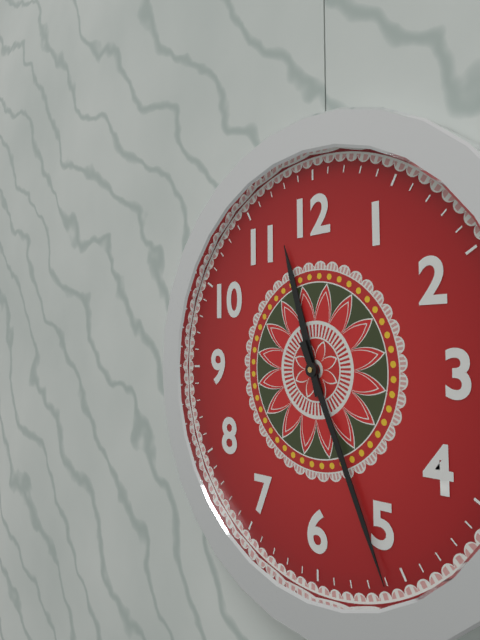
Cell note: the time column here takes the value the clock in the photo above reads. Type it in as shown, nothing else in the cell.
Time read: 11:26
